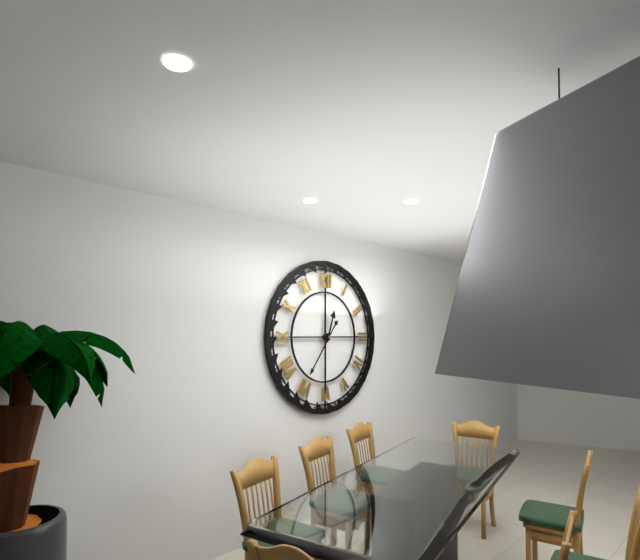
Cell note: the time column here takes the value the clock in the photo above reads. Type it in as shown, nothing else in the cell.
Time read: 12:36
